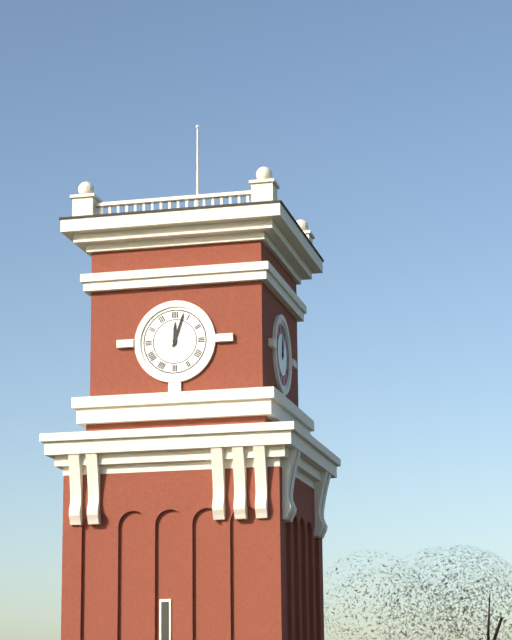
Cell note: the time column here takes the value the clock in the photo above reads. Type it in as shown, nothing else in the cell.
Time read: 12:03
